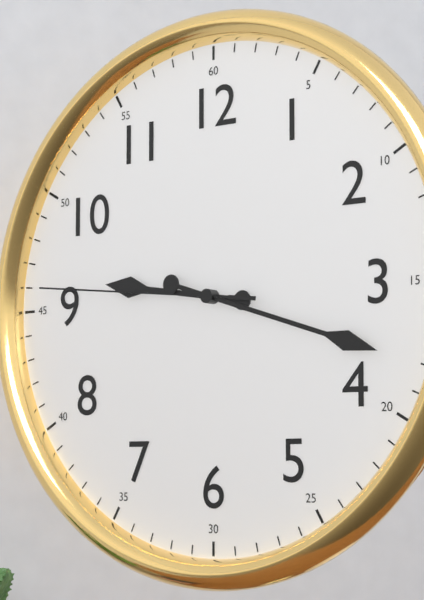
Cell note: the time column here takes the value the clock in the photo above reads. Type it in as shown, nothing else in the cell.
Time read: 9:18:46
